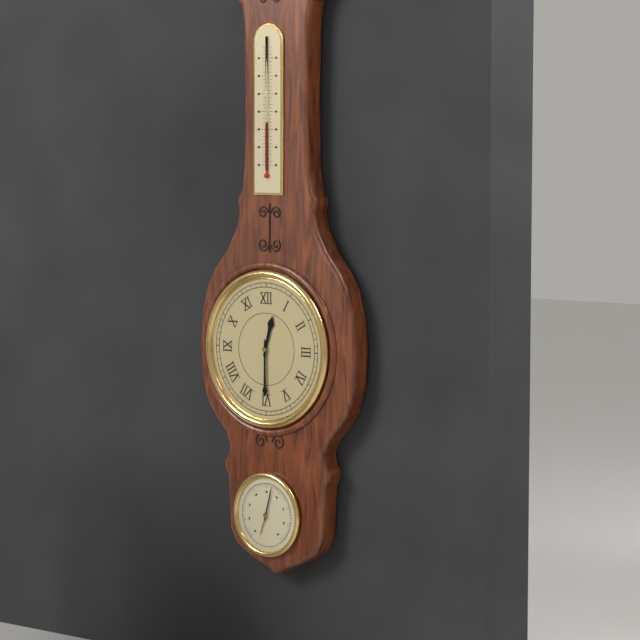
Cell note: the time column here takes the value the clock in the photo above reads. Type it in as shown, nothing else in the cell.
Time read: 12:30
